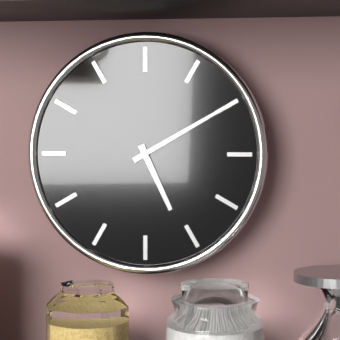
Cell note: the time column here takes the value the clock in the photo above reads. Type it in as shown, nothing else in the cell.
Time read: 5:10
